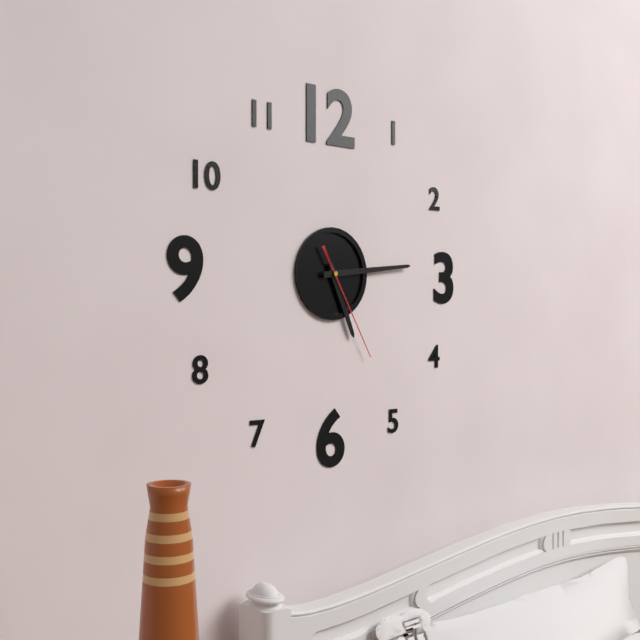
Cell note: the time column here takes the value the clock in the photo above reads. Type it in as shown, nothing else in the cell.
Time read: 5:14:25
